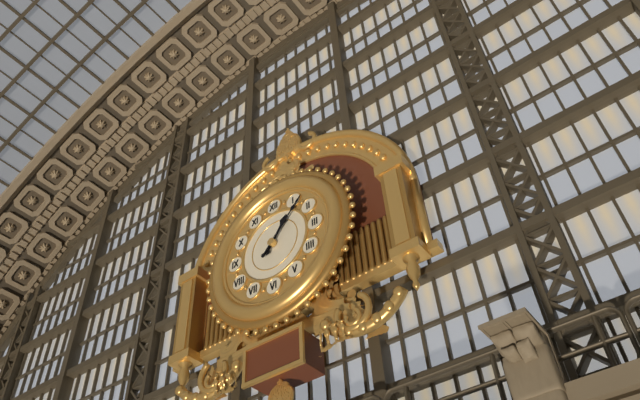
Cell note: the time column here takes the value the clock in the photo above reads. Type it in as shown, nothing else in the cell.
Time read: 1:07
